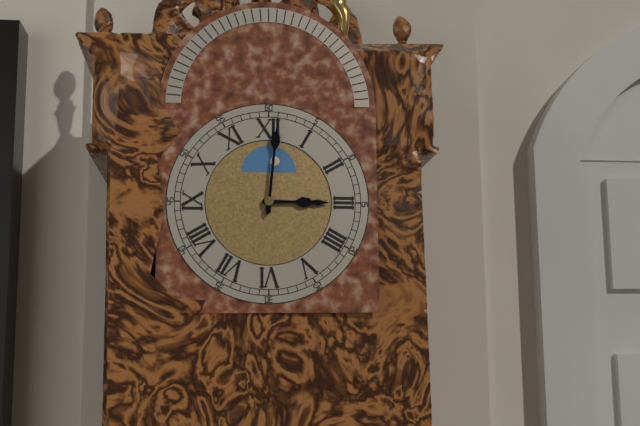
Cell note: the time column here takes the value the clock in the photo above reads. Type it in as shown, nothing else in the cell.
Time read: 3:01
